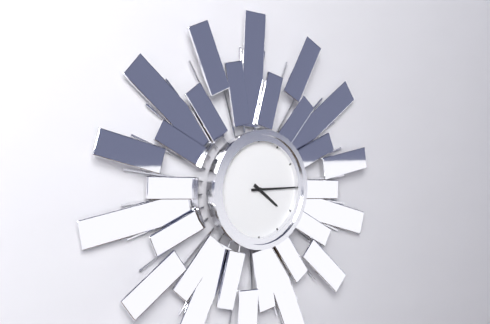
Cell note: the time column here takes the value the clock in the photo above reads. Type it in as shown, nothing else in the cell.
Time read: 4:15
